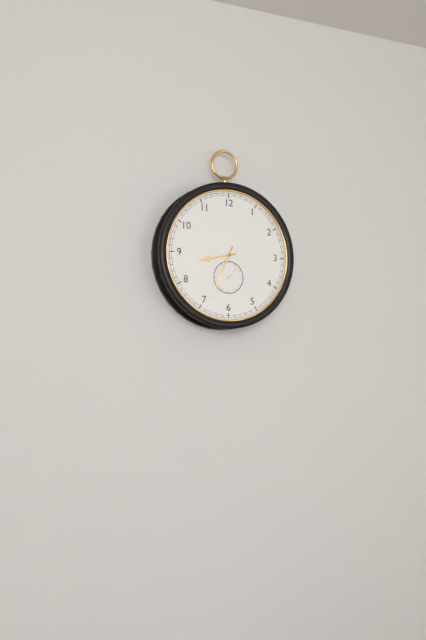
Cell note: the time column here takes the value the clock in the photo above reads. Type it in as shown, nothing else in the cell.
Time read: 8:34
